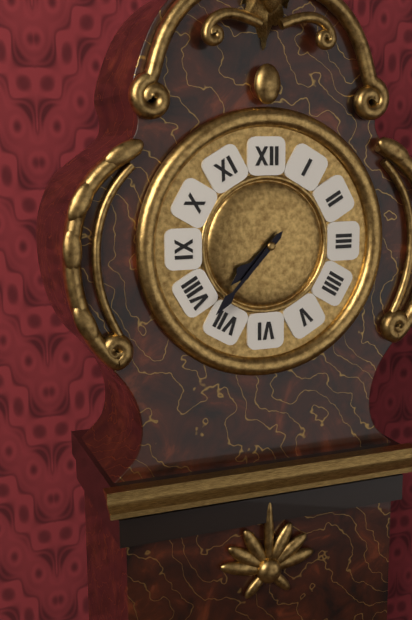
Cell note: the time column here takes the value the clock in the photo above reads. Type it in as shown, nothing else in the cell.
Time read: 7:37
